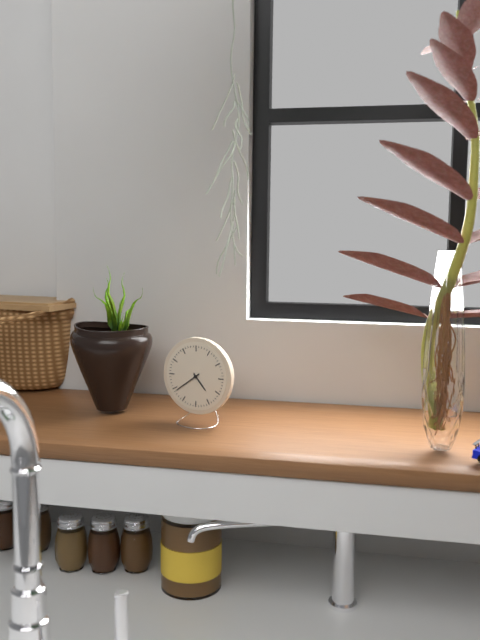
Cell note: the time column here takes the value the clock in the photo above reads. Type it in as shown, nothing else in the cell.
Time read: 4:39
